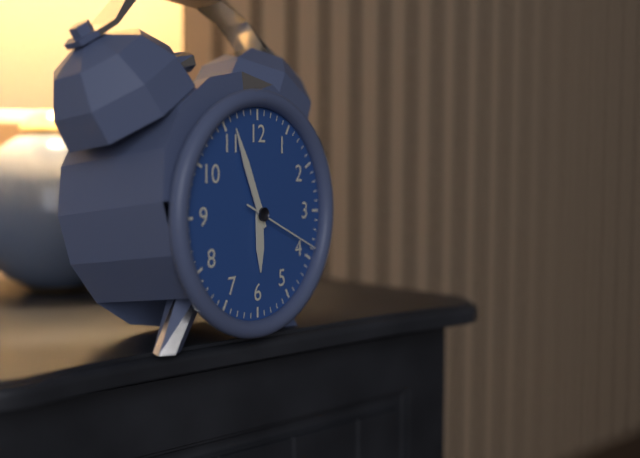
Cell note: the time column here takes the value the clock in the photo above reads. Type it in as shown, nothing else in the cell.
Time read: 5:56:19
